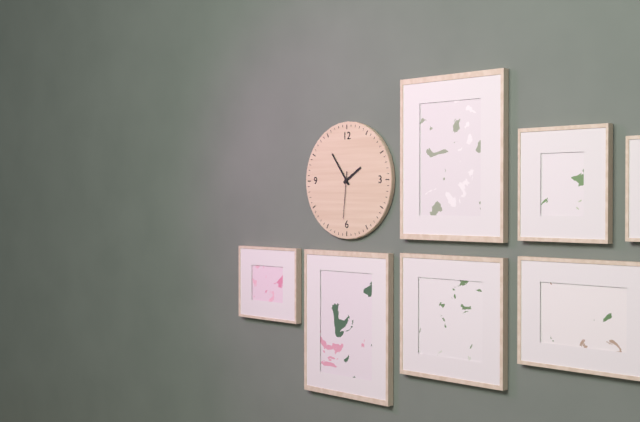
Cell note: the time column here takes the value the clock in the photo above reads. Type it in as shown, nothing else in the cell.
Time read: 1:54
